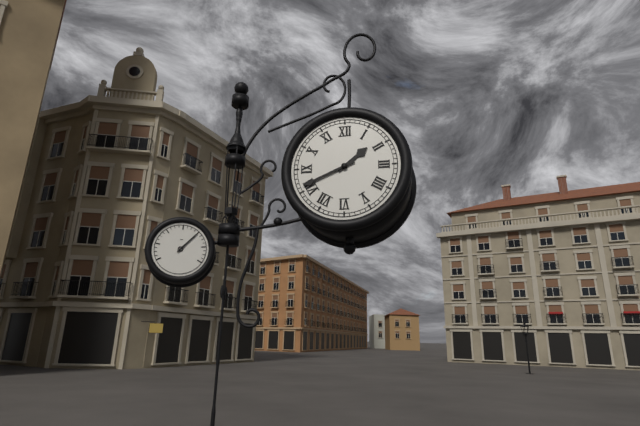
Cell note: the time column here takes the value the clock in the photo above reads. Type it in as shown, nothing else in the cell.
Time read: 1:41
